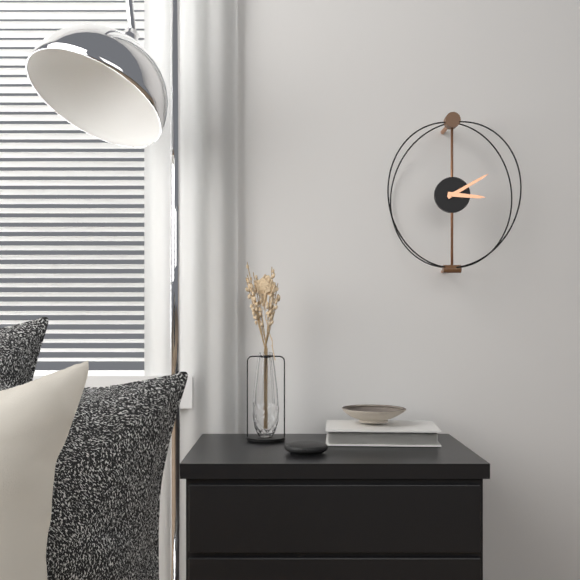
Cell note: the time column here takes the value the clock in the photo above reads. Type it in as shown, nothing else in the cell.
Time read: 3:10
